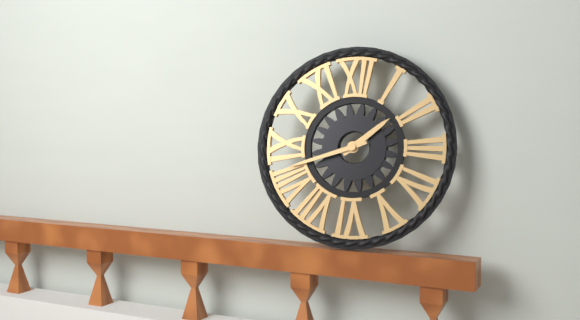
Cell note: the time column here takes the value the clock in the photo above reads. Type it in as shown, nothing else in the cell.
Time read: 1:42
